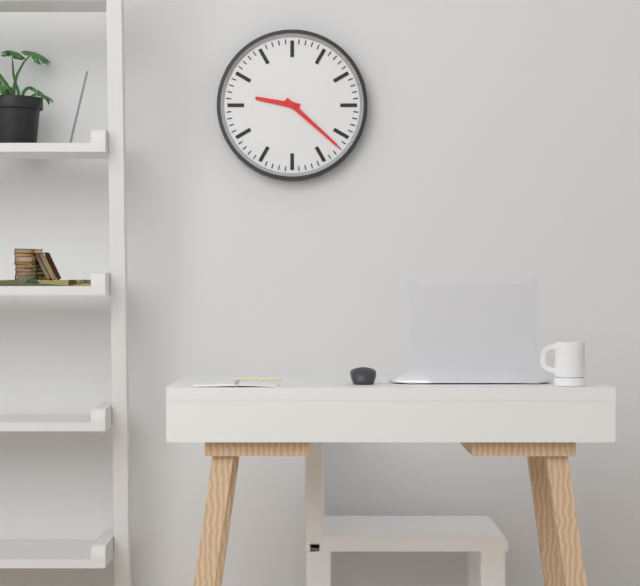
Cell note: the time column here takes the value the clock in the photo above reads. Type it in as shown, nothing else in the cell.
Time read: 9:22
